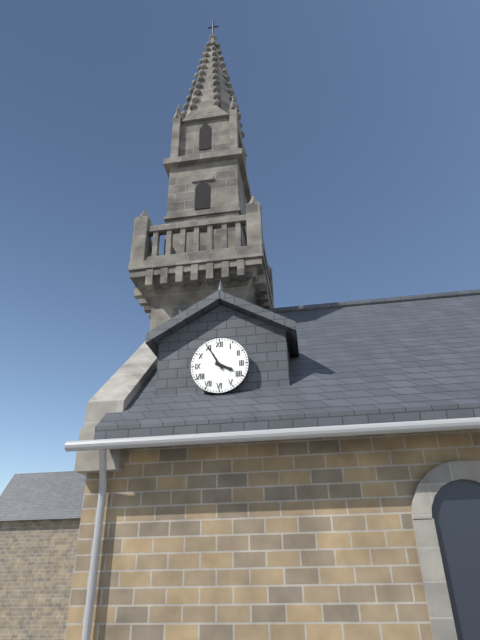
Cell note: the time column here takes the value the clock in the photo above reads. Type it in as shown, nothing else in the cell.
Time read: 3:55
